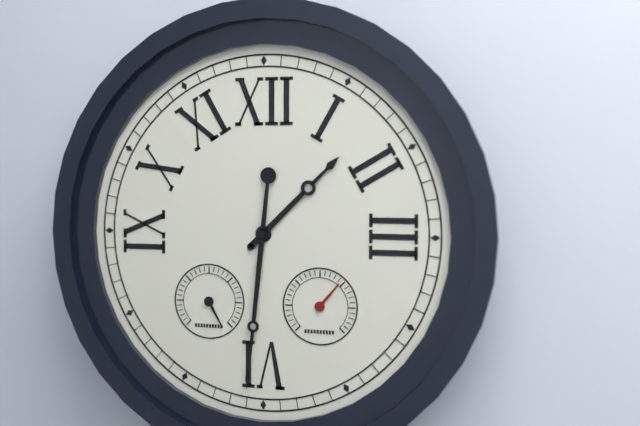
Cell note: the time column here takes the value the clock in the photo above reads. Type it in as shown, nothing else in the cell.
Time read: 1:31
